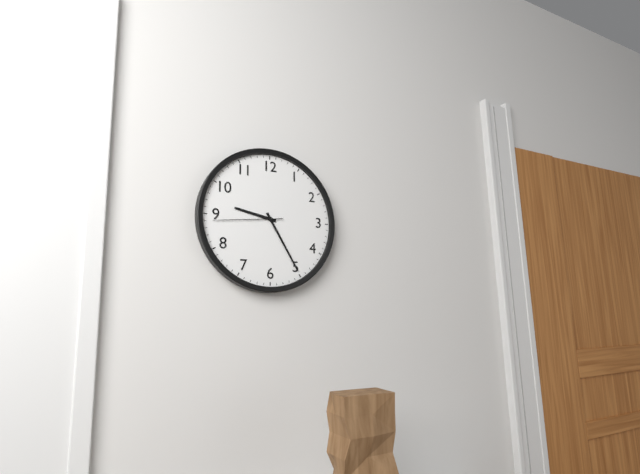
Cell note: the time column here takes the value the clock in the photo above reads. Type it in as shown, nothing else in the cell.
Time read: 9:25:44
